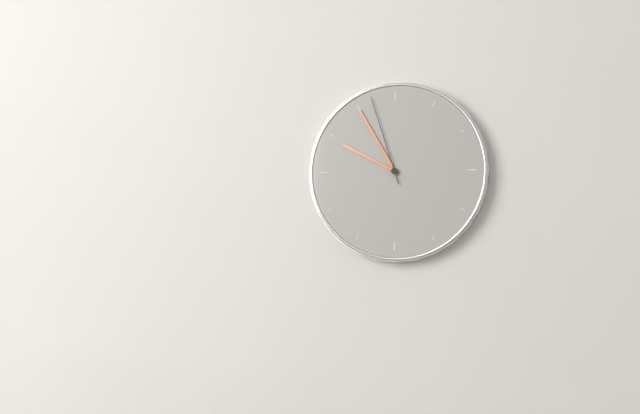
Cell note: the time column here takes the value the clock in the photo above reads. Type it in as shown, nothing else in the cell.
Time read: 9:55:57
